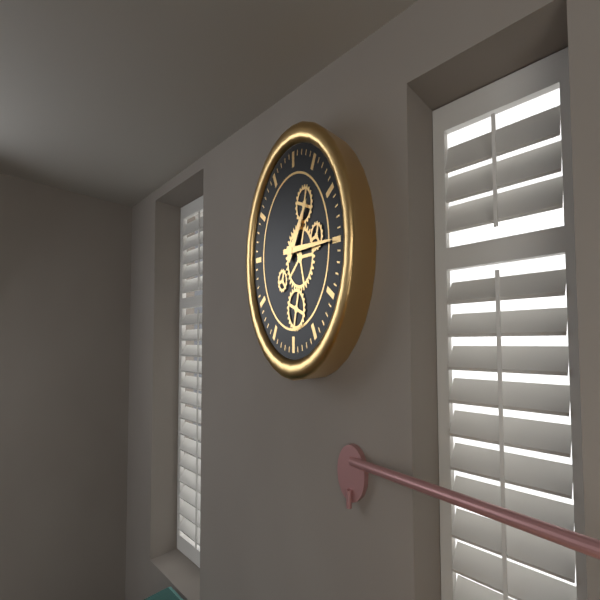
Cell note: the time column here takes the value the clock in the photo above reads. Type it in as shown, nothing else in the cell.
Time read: 1:15
